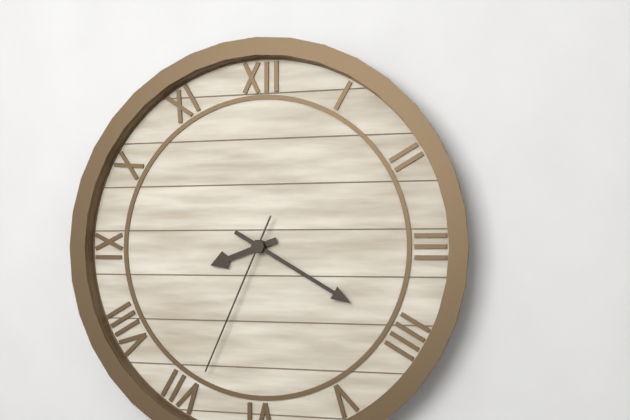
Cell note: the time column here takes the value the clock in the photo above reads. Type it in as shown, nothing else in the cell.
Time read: 8:20:34
